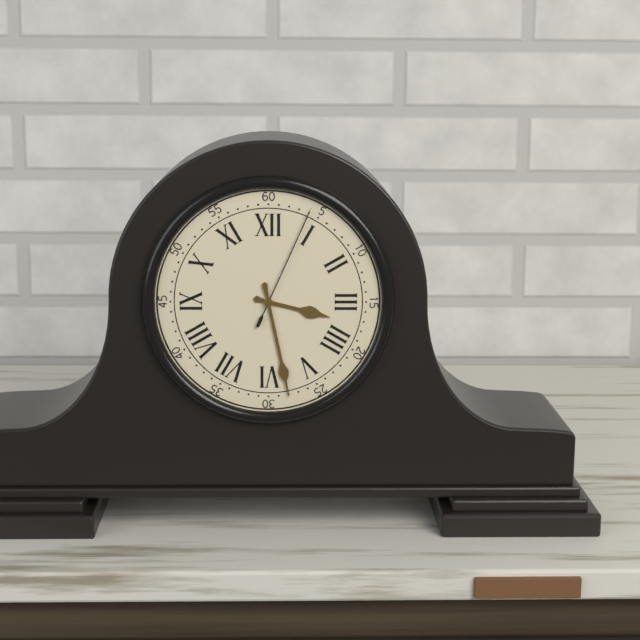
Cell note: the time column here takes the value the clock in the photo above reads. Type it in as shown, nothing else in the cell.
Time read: 3:28:04
